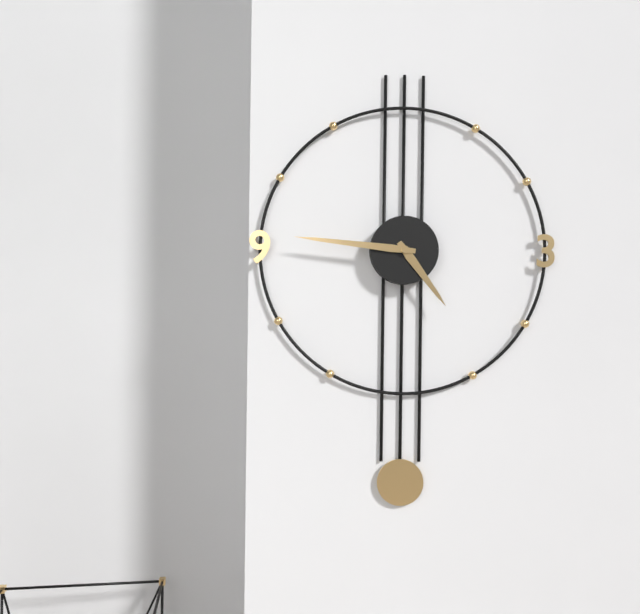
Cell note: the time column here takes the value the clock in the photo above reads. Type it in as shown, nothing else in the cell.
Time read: 4:46
